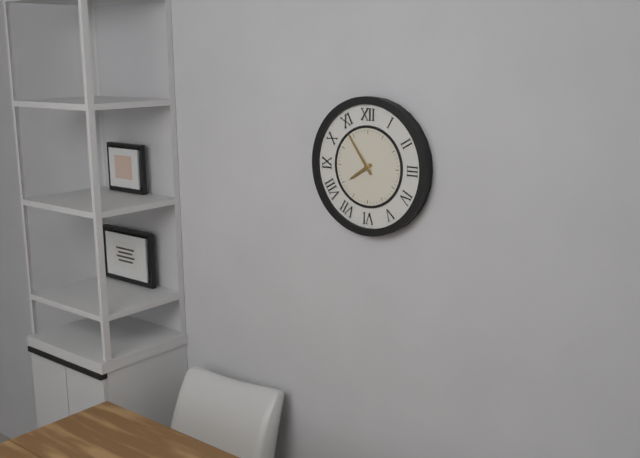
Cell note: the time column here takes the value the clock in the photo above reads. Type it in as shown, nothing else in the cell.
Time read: 7:54
